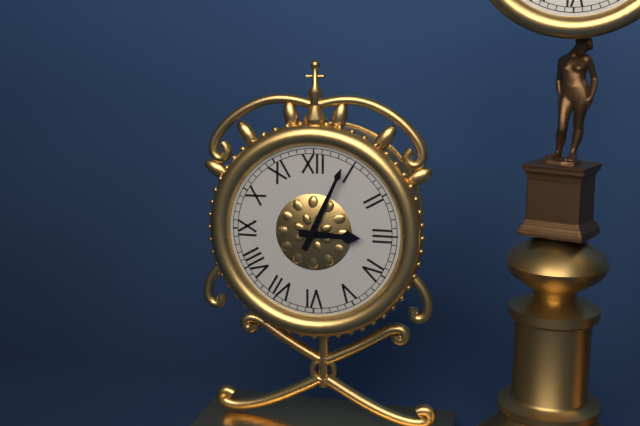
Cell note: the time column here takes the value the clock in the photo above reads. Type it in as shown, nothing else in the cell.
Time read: 3:04
